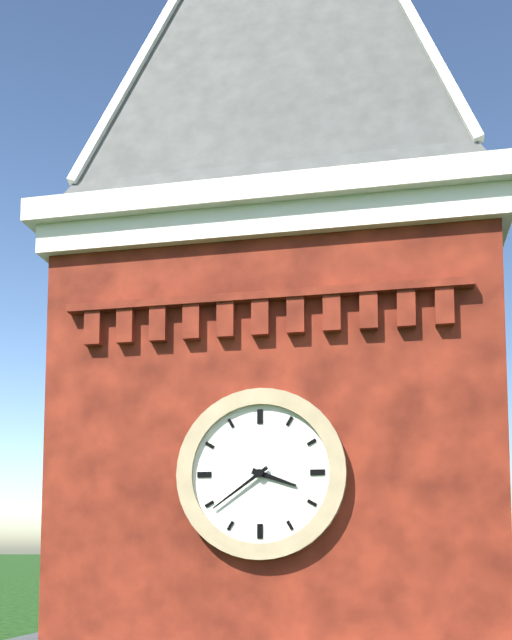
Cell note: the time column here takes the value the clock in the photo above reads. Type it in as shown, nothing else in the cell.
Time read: 3:39
